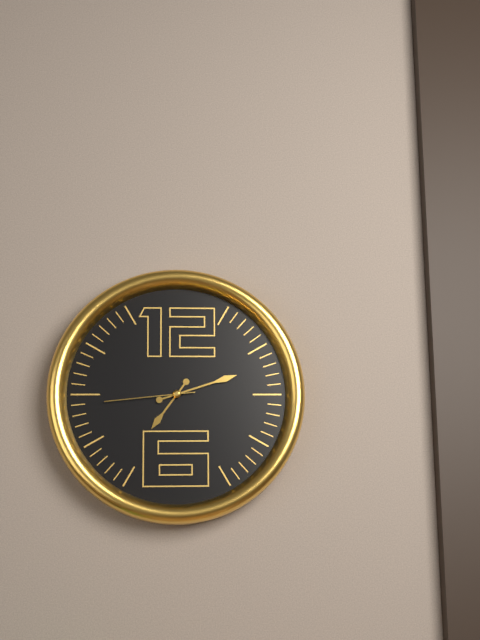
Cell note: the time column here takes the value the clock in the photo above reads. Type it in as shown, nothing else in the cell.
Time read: 7:12:44
